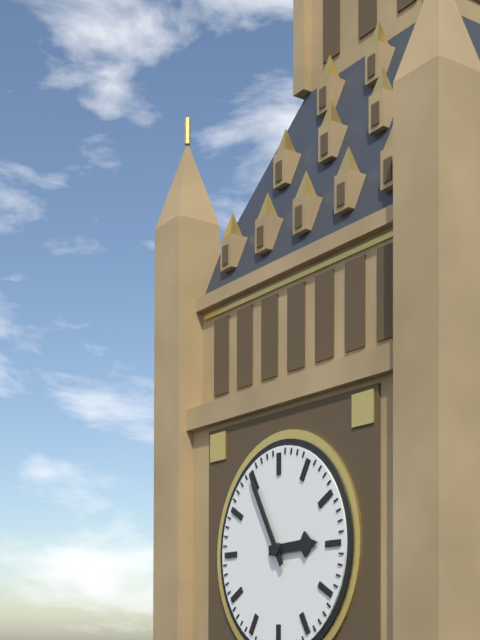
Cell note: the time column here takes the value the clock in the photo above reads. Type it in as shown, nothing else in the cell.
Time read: 2:55
